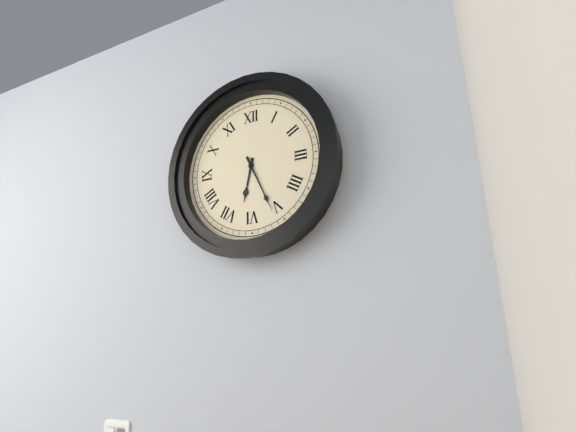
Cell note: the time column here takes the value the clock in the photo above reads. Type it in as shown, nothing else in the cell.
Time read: 6:26
